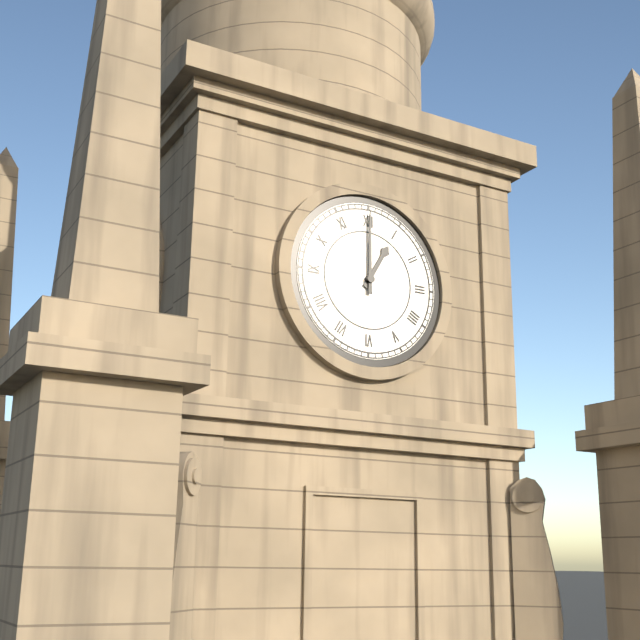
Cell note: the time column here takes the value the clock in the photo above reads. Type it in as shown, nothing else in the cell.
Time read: 1:00
